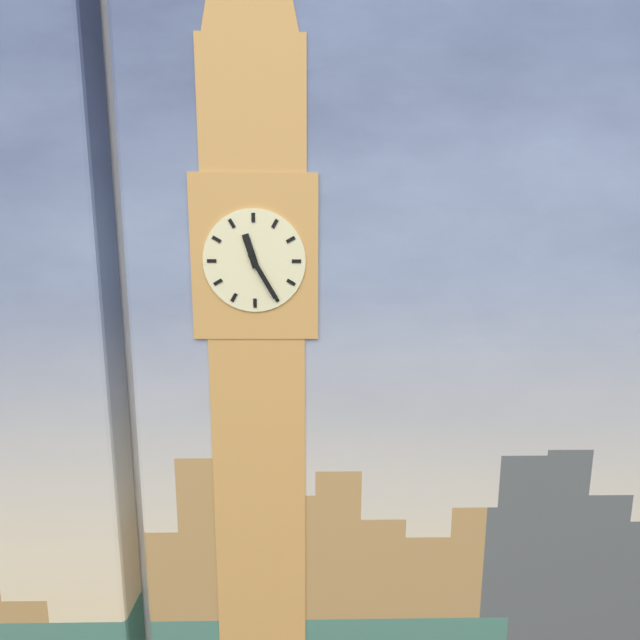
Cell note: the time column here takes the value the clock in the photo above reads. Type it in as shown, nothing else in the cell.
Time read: 11:25
